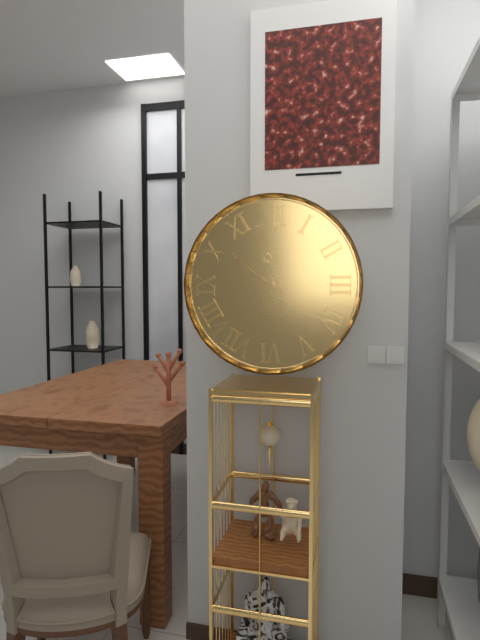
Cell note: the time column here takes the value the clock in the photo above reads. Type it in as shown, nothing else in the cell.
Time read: 8:51
